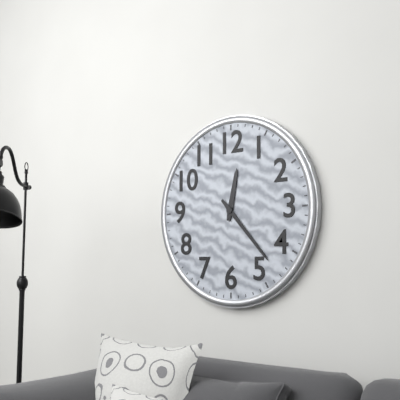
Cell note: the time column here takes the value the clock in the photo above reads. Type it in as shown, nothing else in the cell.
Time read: 12:23
